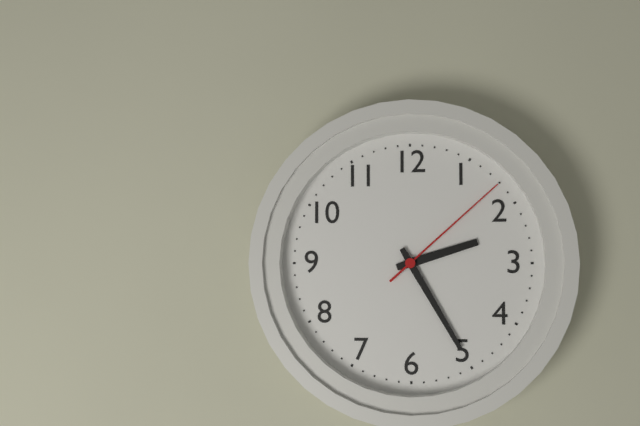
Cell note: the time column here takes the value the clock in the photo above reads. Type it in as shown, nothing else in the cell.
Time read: 2:25:08
